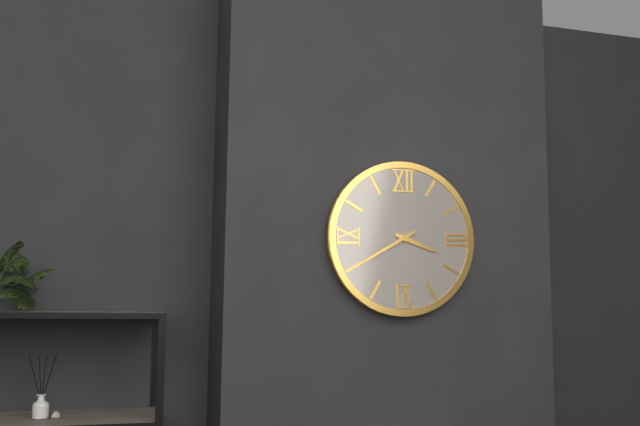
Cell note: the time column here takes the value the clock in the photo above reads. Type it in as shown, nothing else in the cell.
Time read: 3:40
